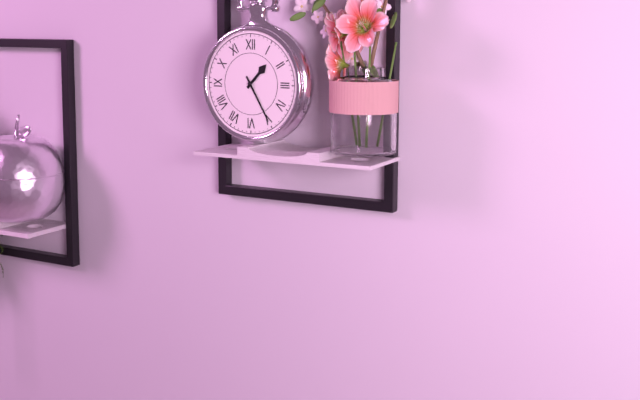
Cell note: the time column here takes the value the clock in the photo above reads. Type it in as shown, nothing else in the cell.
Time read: 1:25
